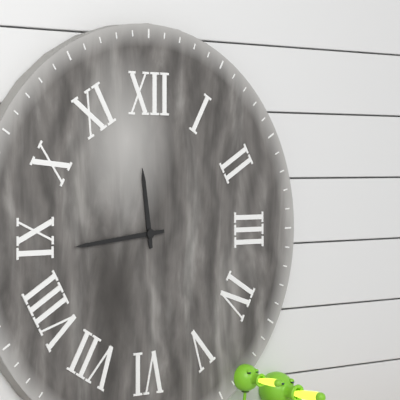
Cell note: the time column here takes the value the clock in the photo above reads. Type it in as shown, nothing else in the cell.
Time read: 11:44
